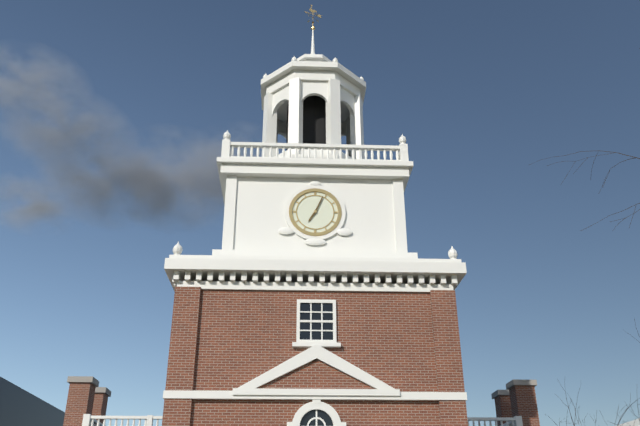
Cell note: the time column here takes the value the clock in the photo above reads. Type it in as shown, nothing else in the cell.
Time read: 7:04
